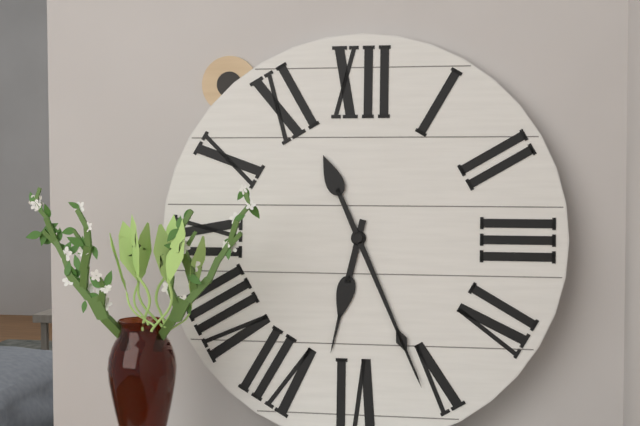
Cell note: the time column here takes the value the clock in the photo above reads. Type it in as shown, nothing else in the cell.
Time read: 6:26
